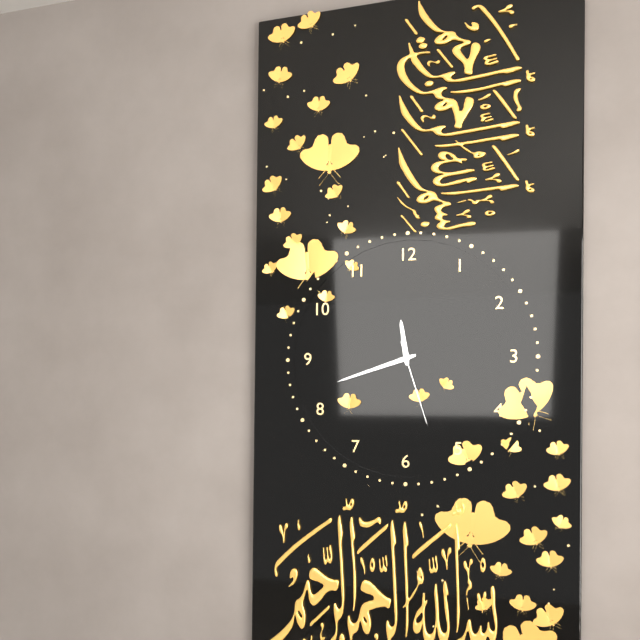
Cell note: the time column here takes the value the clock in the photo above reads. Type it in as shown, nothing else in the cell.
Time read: 11:42:27
